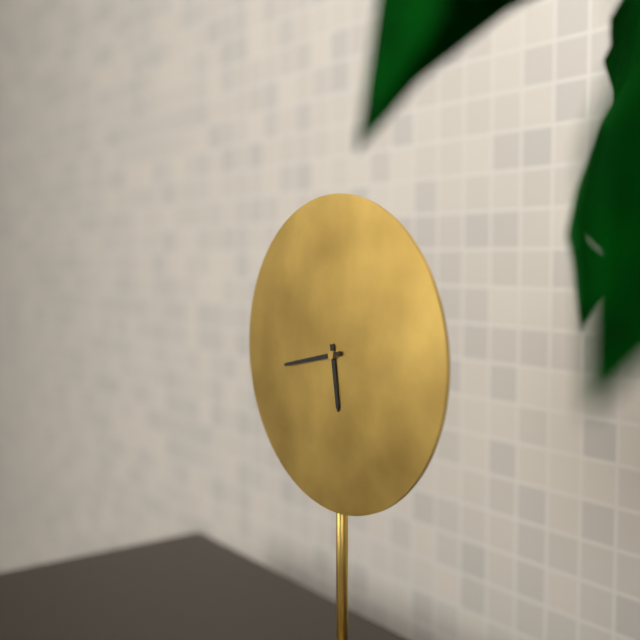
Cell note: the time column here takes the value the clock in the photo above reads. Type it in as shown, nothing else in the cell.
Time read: 5:43
